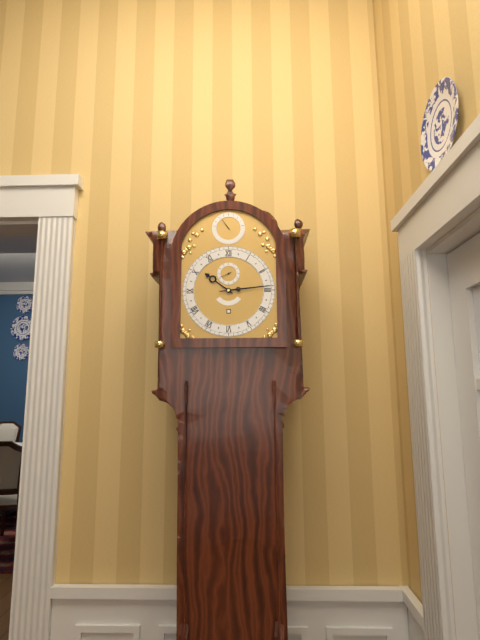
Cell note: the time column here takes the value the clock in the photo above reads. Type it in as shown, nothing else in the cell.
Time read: 10:14
